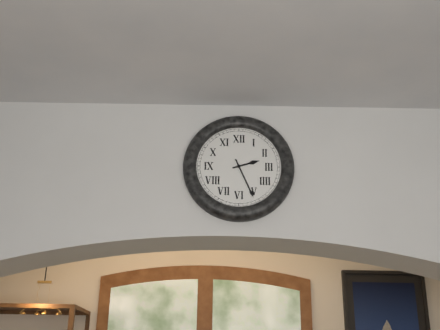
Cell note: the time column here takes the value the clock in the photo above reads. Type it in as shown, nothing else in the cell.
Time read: 2:26
